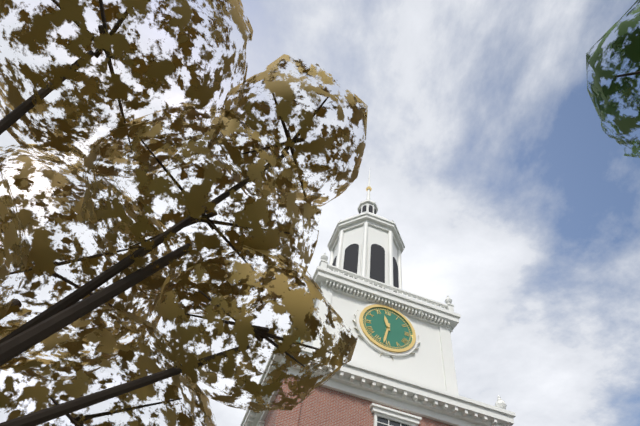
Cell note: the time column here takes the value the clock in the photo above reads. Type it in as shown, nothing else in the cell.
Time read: 11:32
